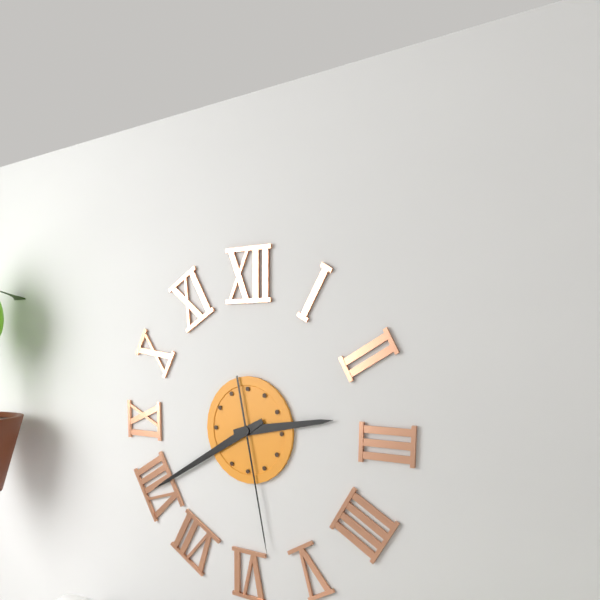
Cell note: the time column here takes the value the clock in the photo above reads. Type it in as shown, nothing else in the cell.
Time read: 2:40:28
